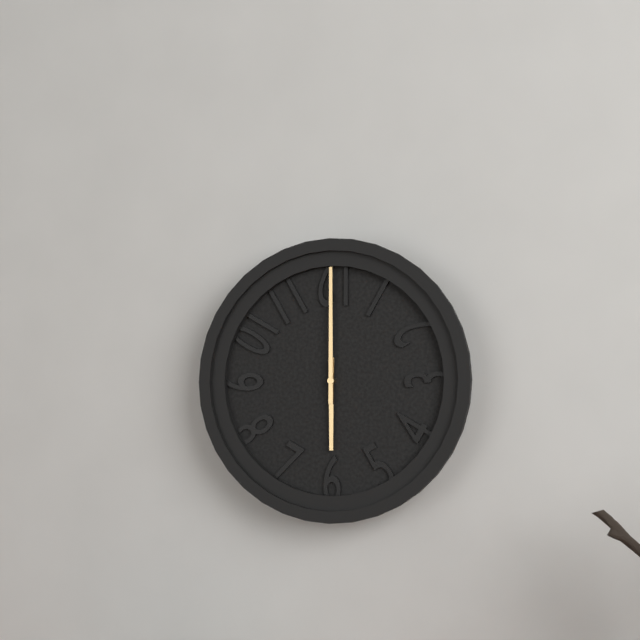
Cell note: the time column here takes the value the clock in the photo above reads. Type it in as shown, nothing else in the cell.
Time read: 6:00
